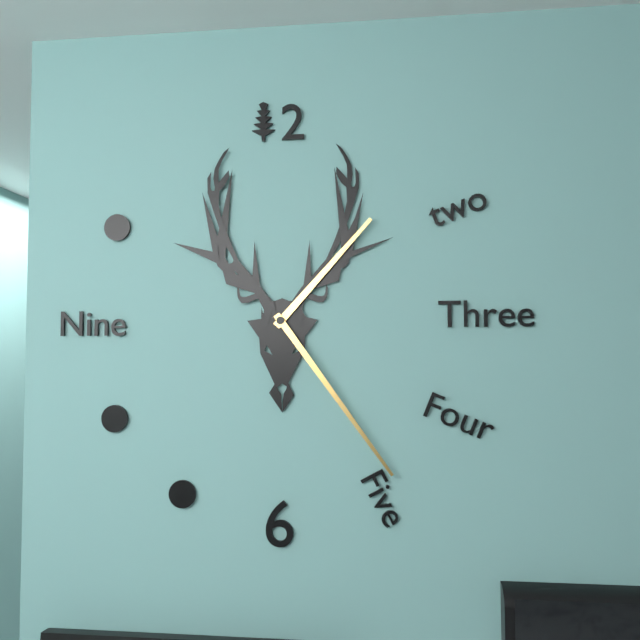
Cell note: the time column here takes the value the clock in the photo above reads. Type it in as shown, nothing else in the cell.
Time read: 1:24
